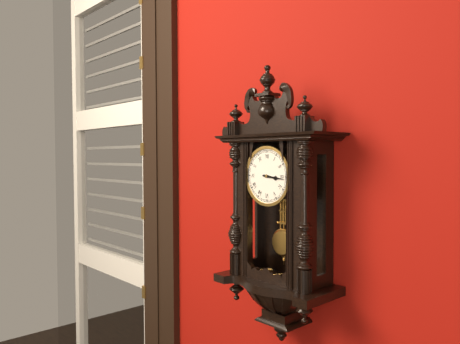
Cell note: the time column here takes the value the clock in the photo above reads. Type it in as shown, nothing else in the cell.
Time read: 3:16
